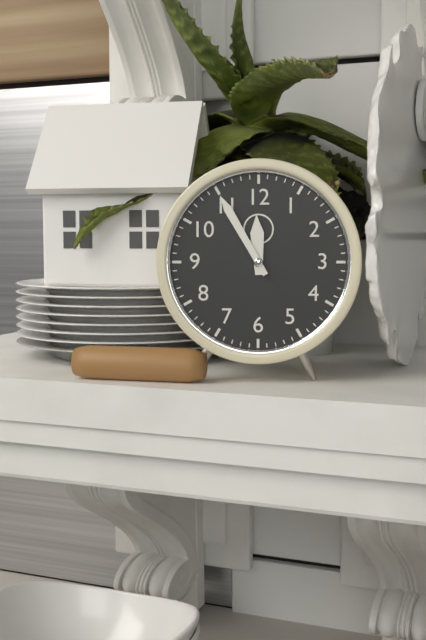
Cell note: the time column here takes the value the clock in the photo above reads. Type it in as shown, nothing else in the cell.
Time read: 11:55
